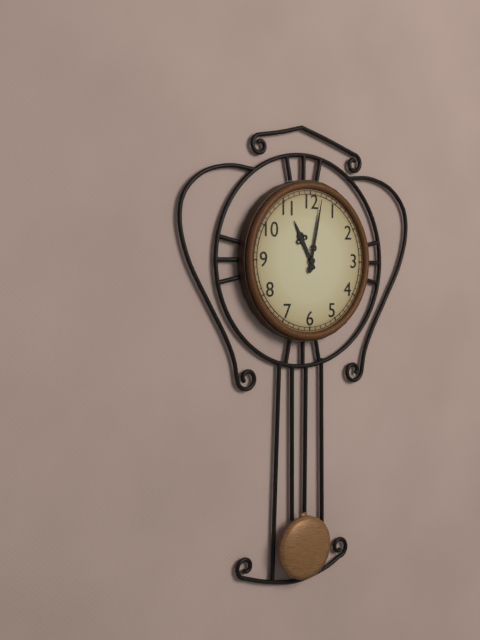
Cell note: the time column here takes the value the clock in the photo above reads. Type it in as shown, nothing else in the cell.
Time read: 11:02
